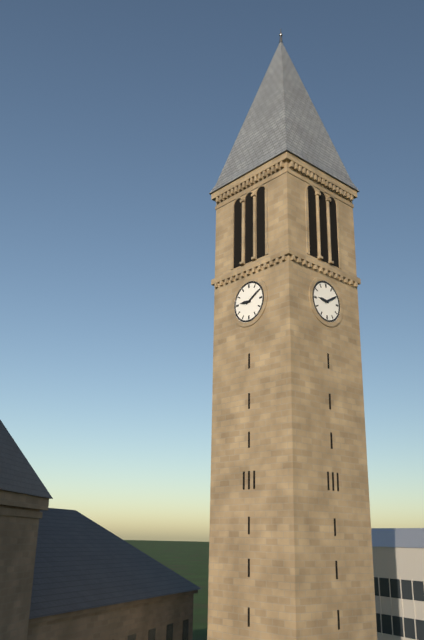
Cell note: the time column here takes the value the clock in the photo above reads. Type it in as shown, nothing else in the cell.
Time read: 9:10
